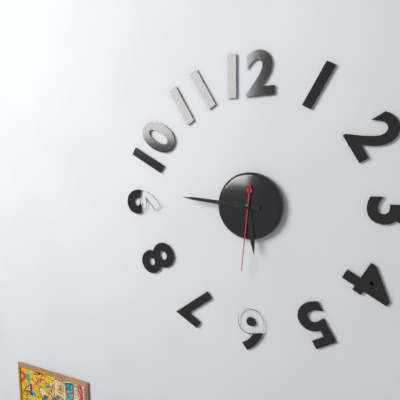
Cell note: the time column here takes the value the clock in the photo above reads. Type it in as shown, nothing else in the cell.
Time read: 5:46:31
